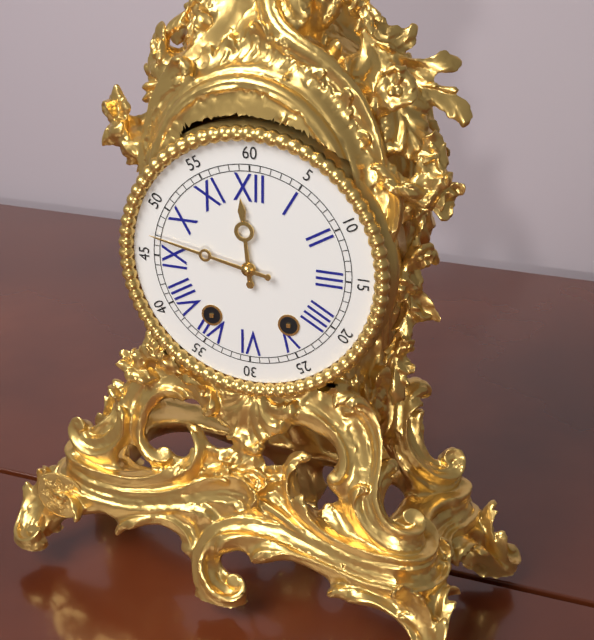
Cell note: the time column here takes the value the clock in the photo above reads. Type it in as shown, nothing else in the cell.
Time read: 11:47
